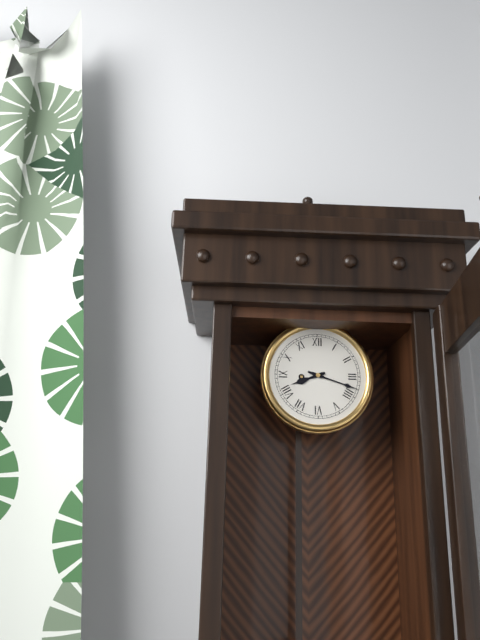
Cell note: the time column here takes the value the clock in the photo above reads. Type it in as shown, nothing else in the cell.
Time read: 8:18
